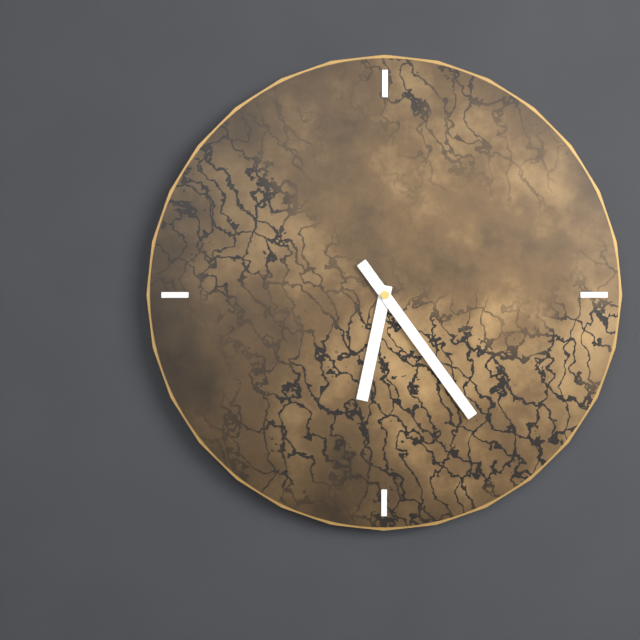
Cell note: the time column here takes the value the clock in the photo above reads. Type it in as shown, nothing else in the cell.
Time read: 6:24
